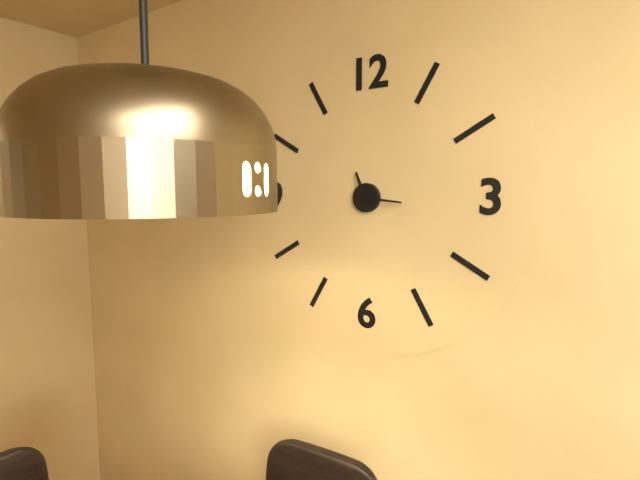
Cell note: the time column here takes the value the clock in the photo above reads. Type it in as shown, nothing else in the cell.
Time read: 11:16
